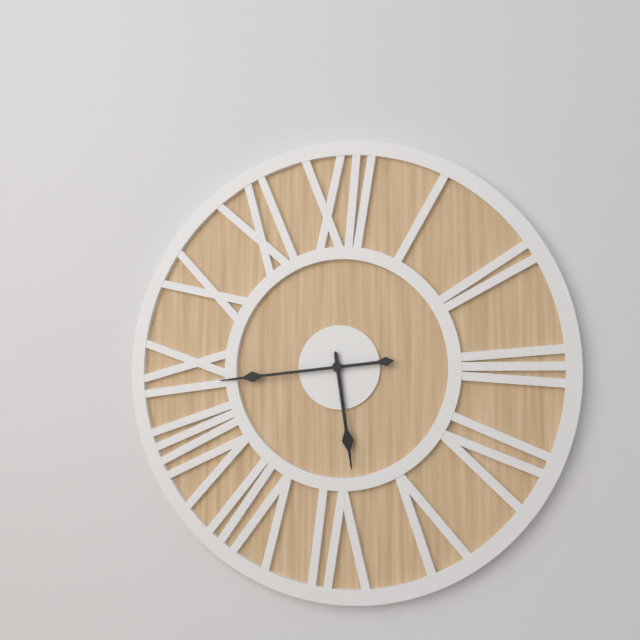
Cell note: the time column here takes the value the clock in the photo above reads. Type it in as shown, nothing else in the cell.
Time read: 5:44
